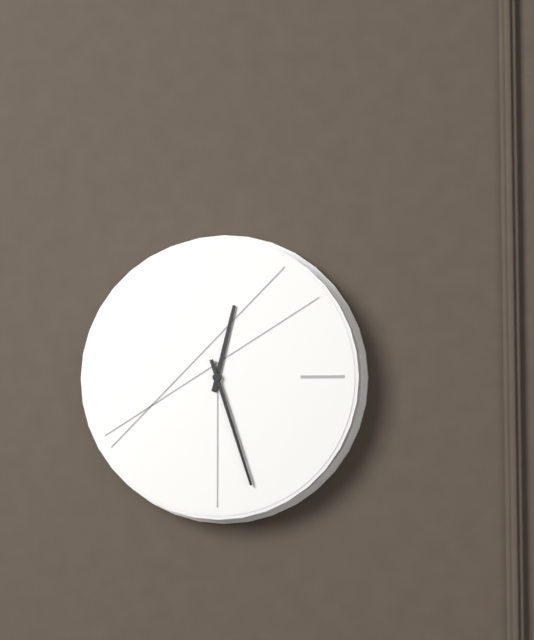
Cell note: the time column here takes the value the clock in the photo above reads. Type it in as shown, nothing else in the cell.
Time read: 12:27
